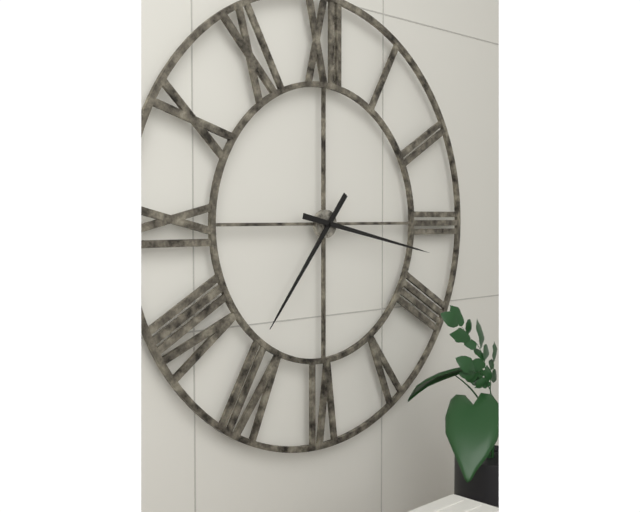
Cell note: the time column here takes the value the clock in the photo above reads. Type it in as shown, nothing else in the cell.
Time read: 7:17
